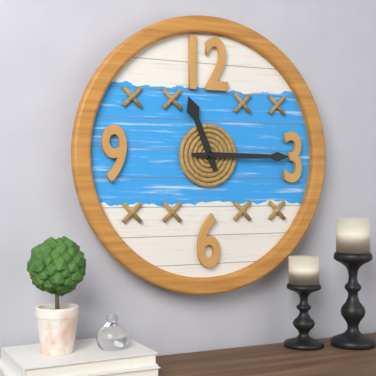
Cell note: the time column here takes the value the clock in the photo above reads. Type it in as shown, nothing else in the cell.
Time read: 11:15
